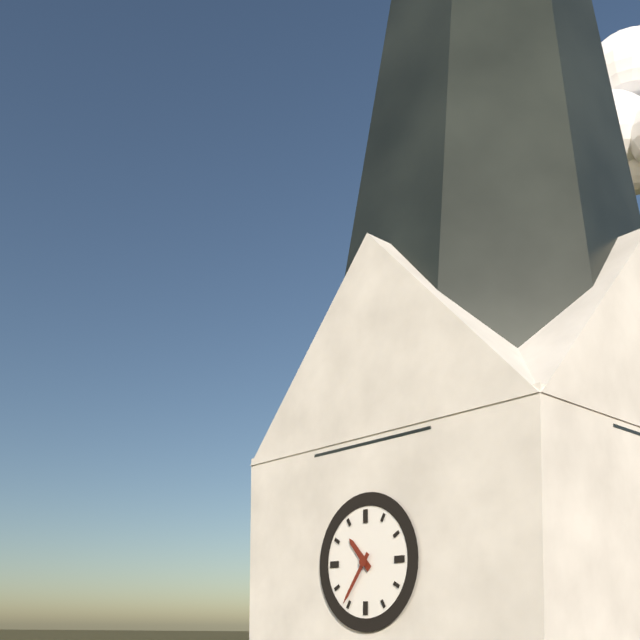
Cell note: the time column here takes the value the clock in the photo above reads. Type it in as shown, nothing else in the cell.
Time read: 10:36
